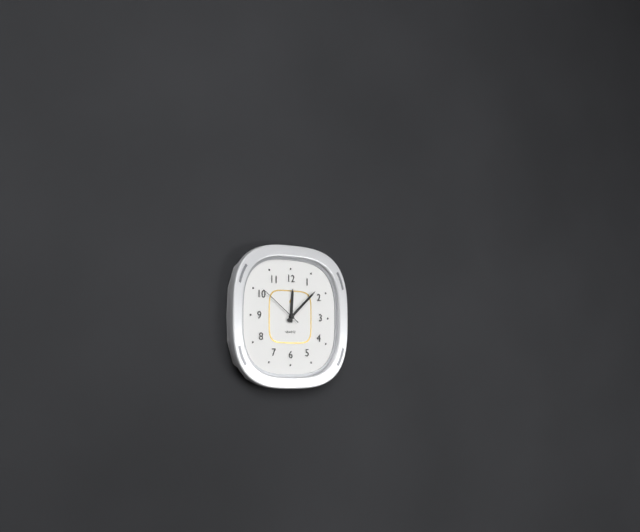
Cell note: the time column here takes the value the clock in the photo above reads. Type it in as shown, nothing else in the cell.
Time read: 12:08:51
